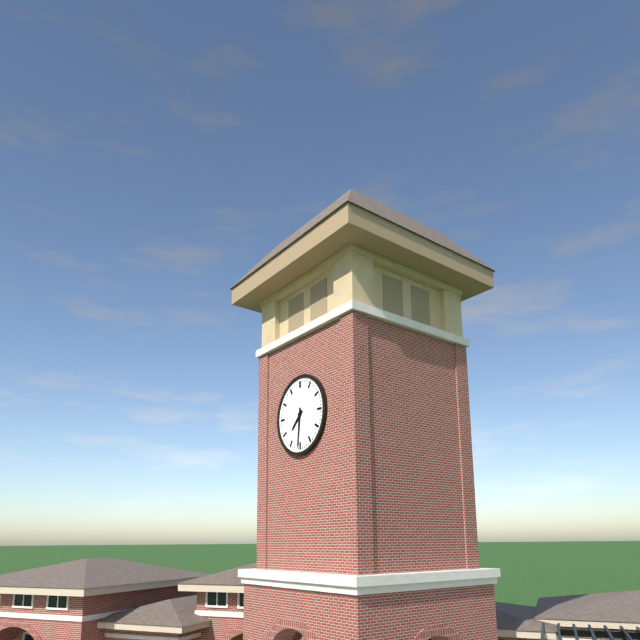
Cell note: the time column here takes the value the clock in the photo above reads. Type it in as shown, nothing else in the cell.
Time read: 7:31
